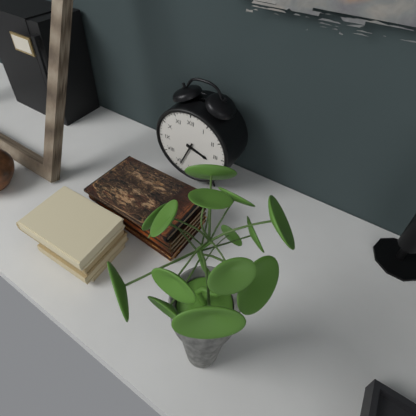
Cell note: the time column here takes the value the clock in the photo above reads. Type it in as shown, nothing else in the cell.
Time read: 3:34
